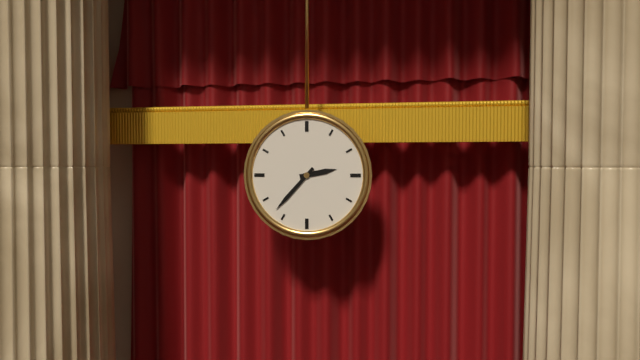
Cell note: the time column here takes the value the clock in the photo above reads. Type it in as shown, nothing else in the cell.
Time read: 2:37
